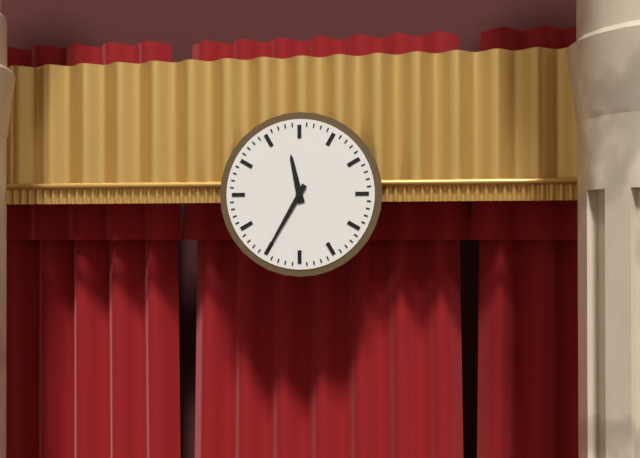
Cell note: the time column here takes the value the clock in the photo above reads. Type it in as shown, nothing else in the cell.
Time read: 11:35
